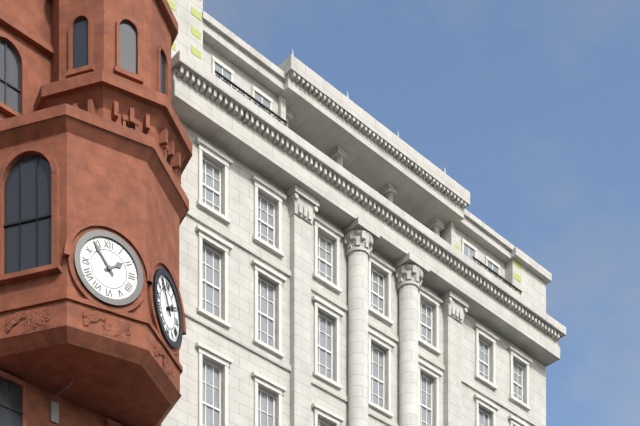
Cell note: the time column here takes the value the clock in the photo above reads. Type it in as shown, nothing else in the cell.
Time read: 1:54
